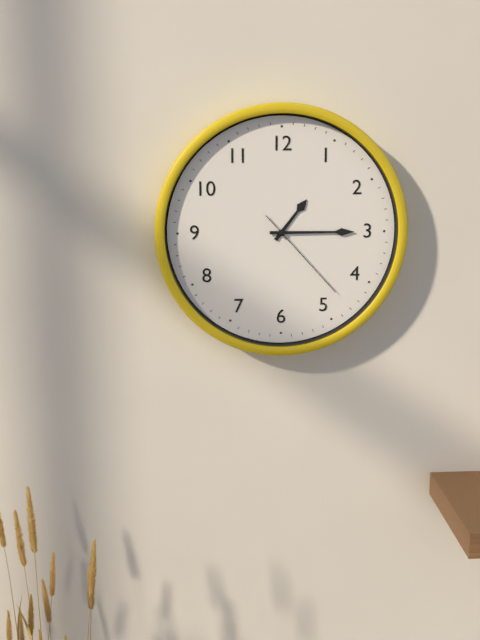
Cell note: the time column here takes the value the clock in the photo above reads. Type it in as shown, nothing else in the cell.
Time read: 1:15:23
